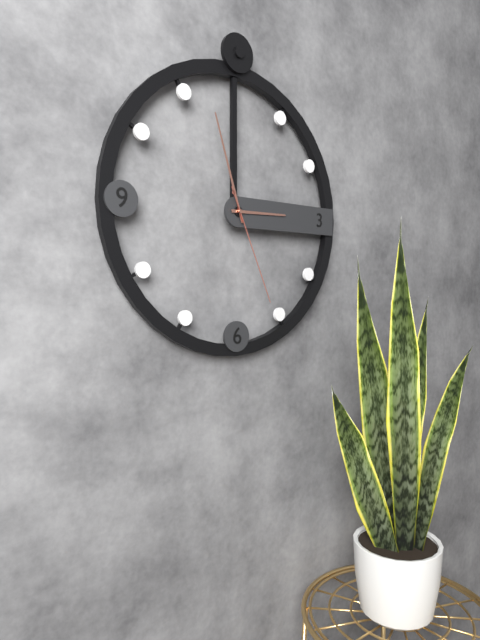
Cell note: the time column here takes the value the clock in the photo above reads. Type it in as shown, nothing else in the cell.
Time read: 2:57:26
